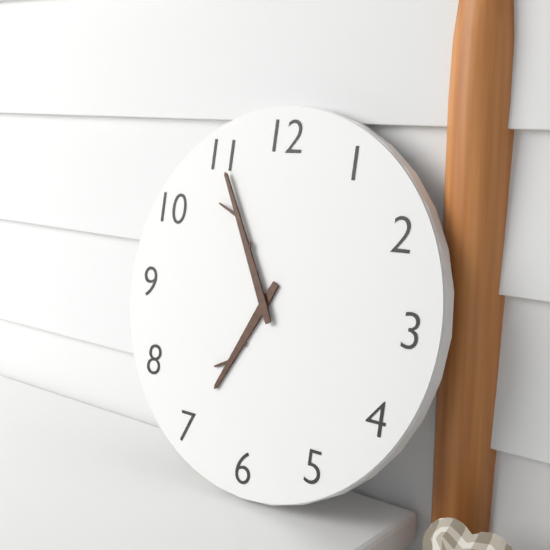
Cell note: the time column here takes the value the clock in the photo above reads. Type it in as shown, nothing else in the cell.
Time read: 6:55
